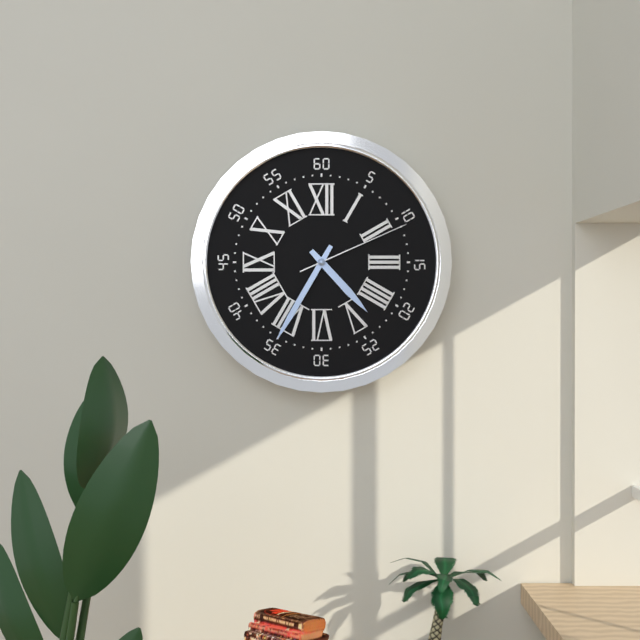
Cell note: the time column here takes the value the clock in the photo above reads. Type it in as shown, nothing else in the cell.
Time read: 4:35:11
